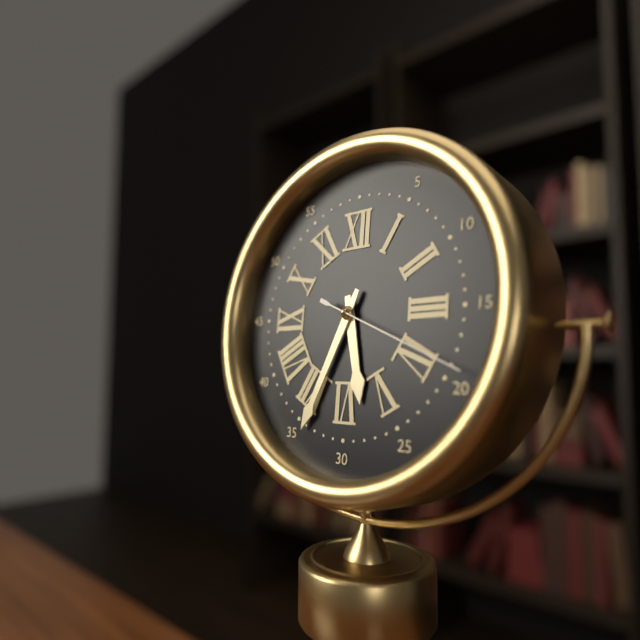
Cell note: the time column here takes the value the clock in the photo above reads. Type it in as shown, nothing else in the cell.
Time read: 5:34:19
